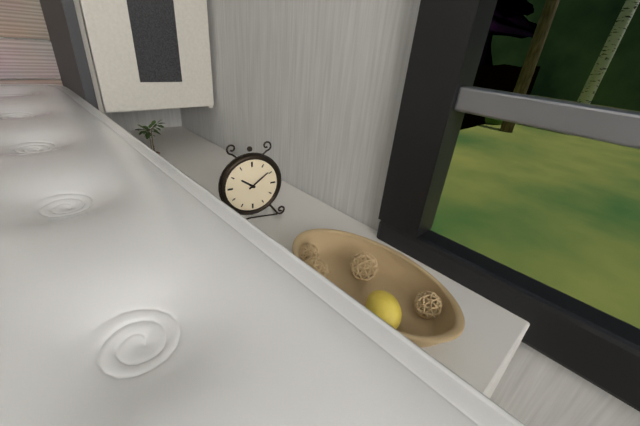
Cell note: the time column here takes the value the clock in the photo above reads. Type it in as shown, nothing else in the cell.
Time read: 10:09
